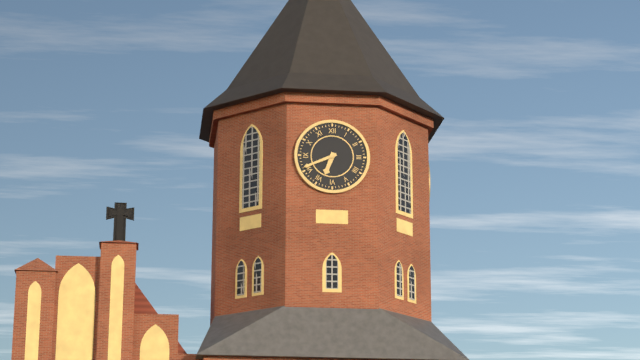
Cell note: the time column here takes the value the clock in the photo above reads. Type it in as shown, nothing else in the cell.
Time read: 6:41
